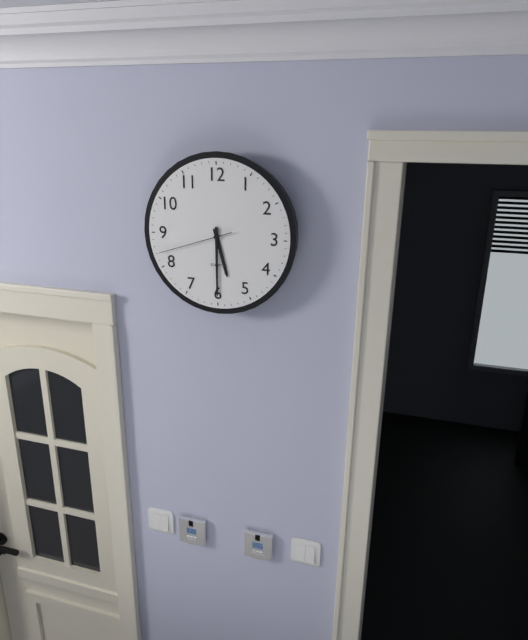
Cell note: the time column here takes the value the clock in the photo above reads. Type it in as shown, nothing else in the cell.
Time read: 5:30:42
